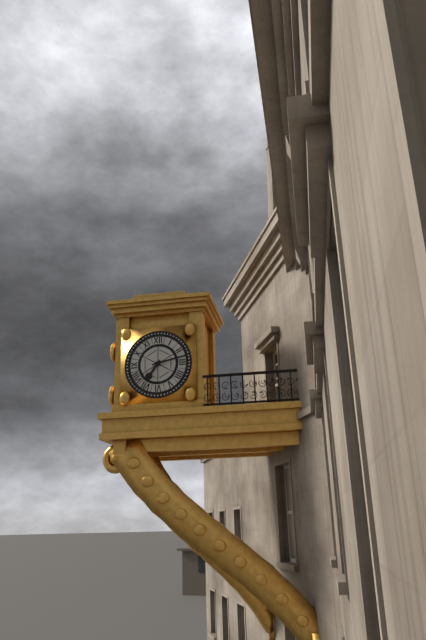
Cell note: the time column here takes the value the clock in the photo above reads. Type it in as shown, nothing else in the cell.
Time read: 7:13
